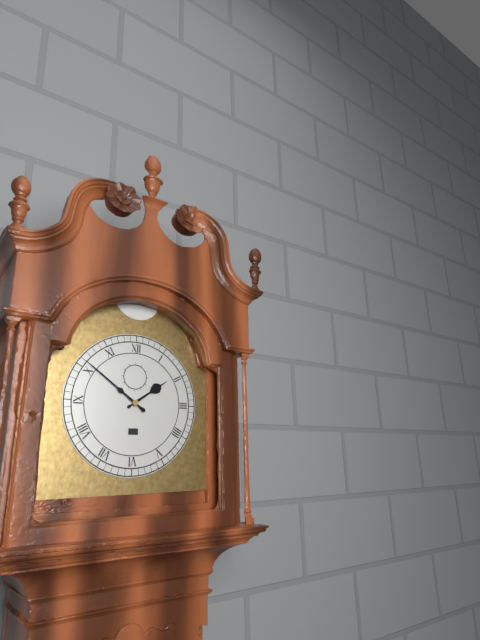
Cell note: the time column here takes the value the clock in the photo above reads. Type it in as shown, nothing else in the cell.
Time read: 1:51
